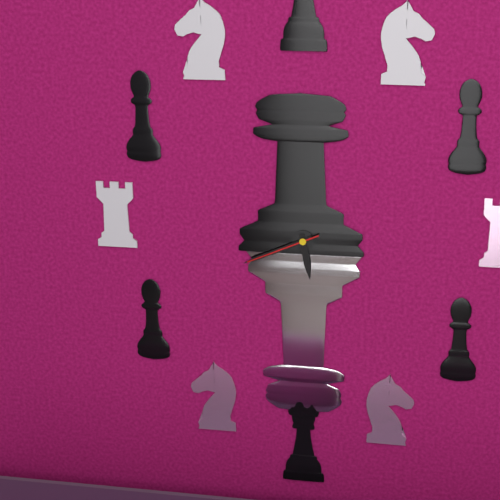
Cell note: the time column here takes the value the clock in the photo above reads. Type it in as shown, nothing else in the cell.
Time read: 5:41:41
